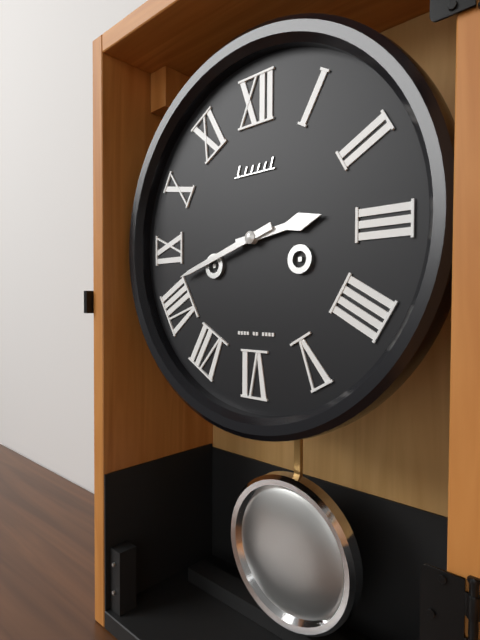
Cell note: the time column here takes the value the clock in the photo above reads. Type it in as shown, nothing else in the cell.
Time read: 2:42
